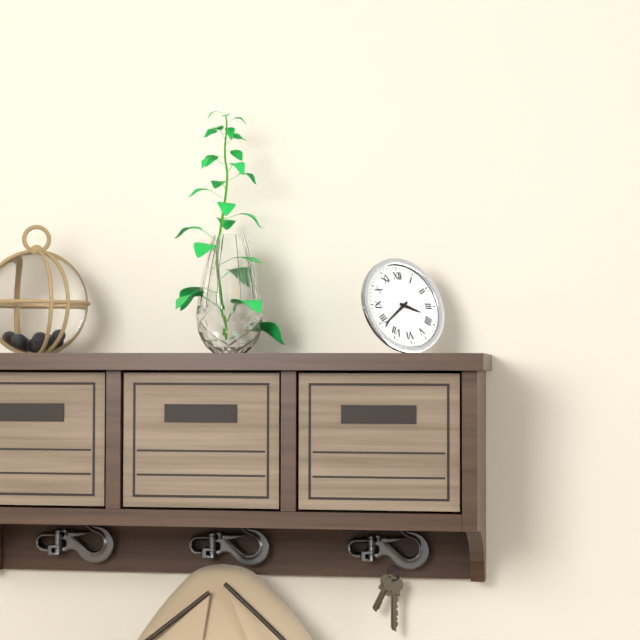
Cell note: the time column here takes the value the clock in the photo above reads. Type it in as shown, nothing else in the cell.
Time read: 3:39
